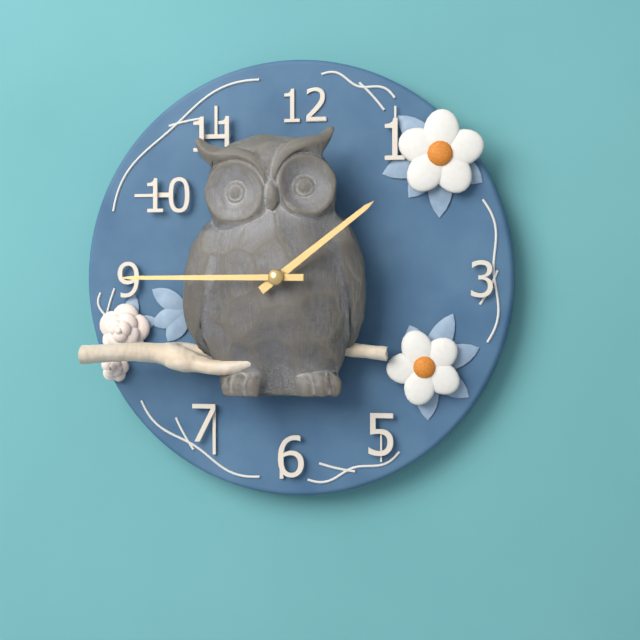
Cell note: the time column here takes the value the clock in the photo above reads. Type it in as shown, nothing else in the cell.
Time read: 1:45
